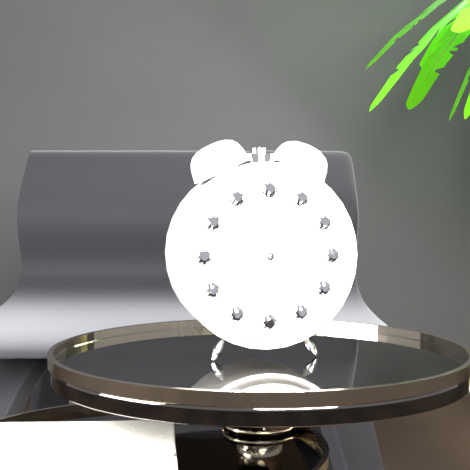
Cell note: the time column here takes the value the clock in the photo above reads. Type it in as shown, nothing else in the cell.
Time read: 4:52:57
